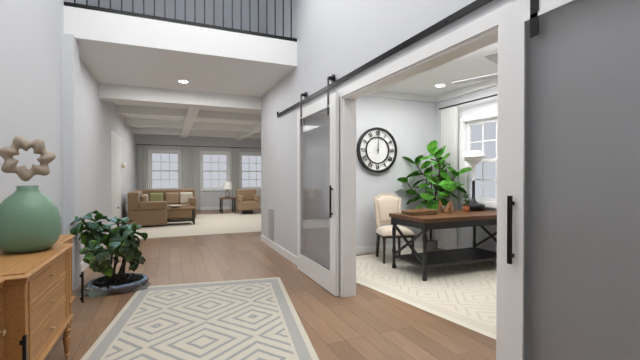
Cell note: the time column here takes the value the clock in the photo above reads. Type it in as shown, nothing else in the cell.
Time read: 12:00
